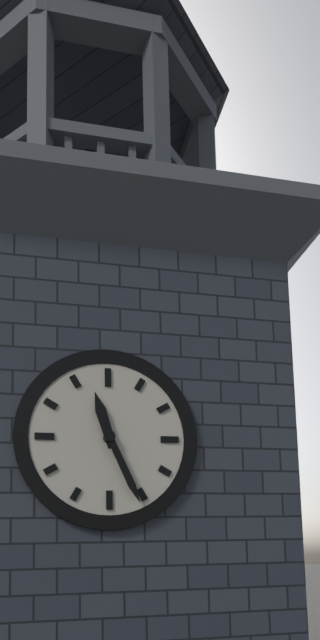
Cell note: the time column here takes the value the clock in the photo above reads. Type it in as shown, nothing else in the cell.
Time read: 11:26
